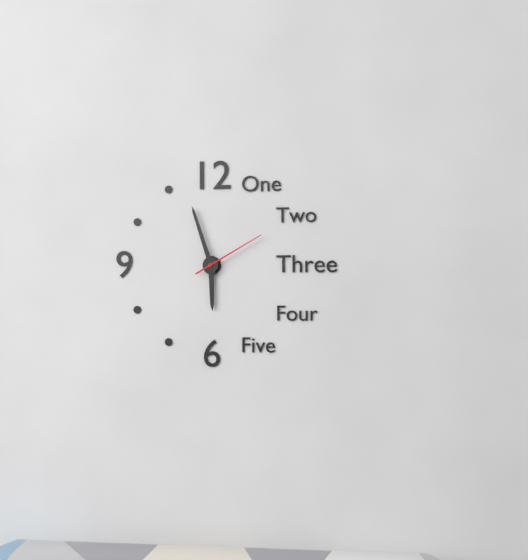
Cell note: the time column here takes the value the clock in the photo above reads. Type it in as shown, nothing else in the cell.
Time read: 5:57:10
